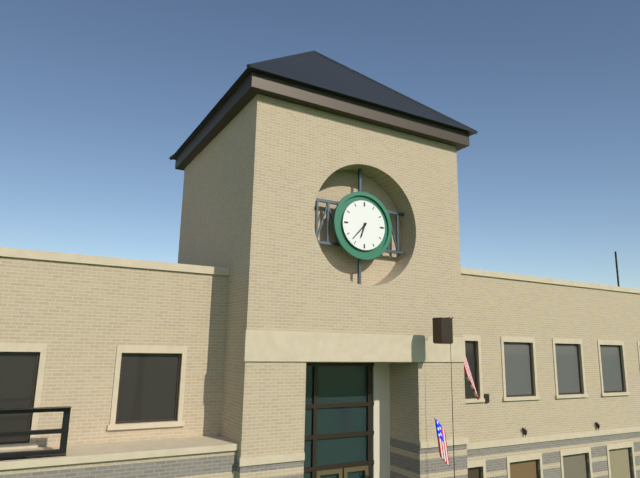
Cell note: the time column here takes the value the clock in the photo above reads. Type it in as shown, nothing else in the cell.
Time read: 6:37
